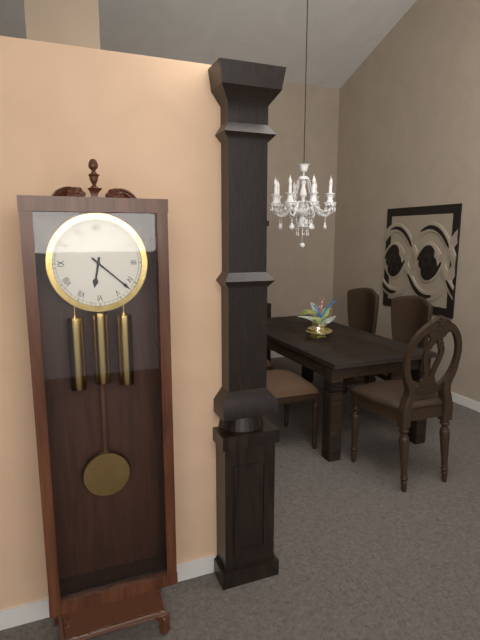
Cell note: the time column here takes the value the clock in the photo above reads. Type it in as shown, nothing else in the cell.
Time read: 6:22
